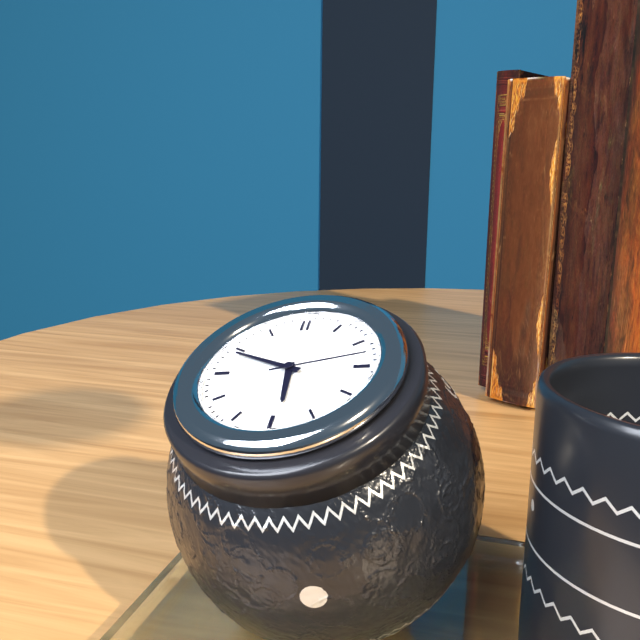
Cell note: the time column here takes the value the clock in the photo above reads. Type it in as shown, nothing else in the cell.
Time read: 5:49:13
